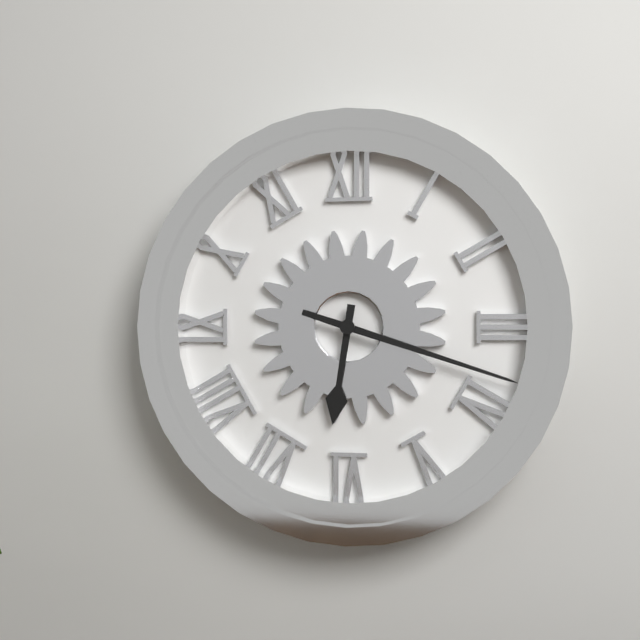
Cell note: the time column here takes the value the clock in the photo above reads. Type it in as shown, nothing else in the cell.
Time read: 6:18
